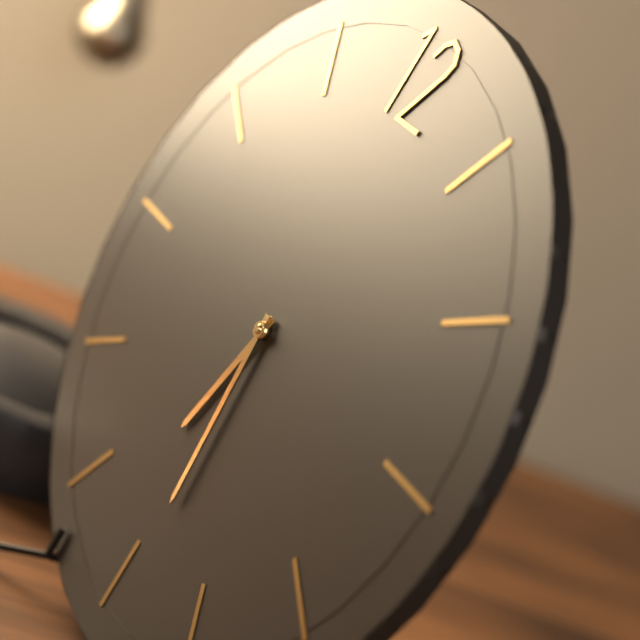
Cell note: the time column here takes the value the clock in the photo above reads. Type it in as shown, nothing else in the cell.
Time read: 6:29
